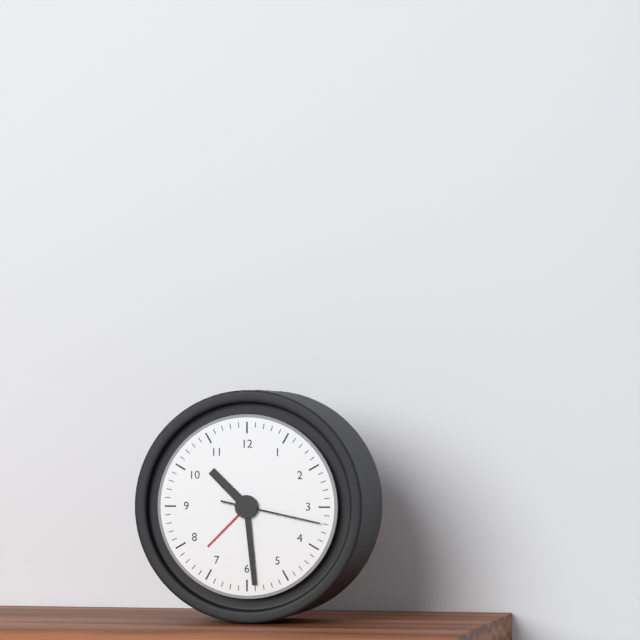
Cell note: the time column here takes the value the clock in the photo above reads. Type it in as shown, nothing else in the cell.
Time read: 10:29:17
